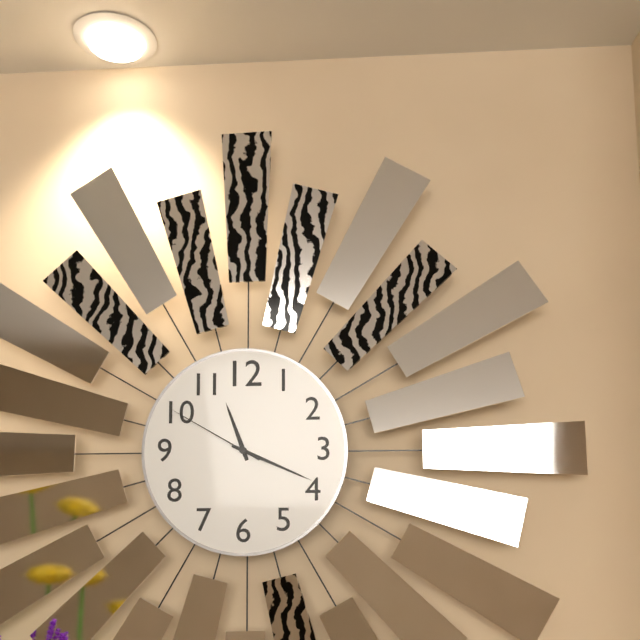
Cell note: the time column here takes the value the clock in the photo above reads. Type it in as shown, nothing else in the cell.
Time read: 11:19:50
